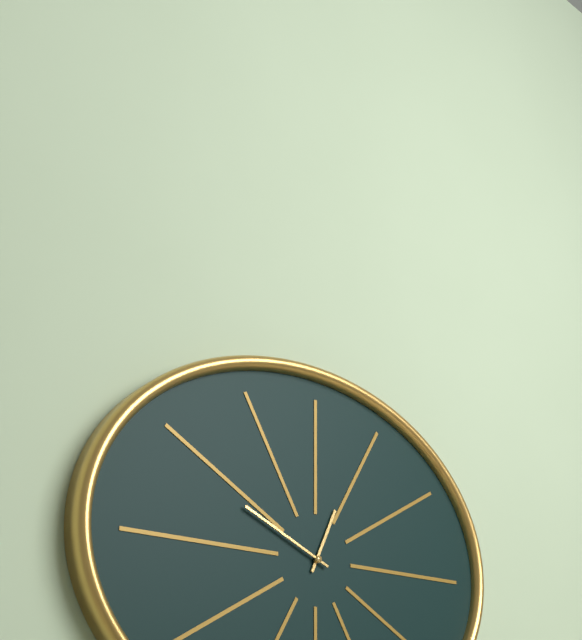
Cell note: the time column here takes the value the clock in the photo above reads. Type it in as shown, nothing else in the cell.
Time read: 12:49
